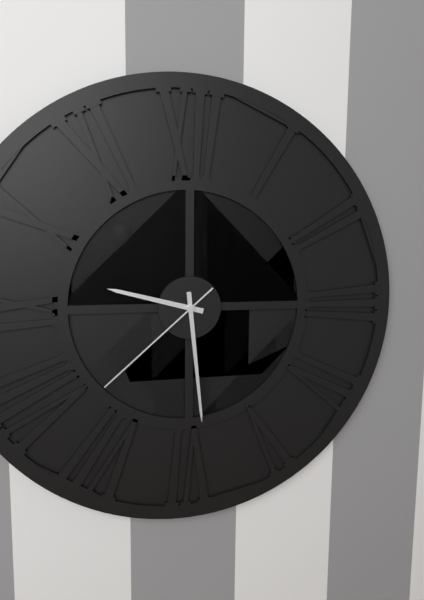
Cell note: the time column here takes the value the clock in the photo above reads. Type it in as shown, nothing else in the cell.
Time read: 9:29:38
